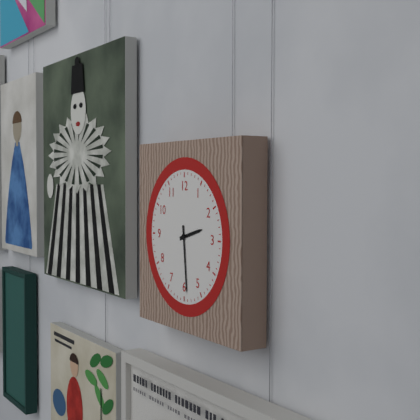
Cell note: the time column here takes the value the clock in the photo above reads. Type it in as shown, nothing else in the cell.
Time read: 2:29
